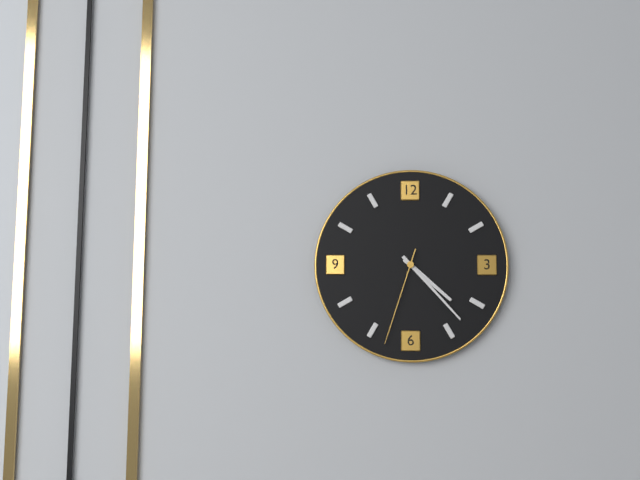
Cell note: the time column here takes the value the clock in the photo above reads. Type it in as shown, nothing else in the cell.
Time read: 4:23:33
